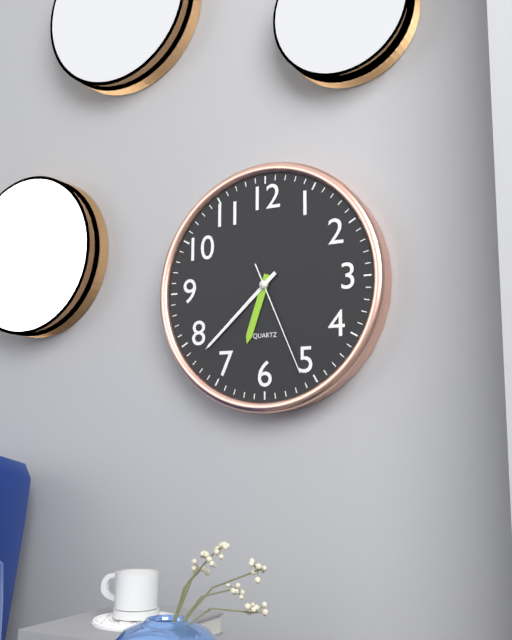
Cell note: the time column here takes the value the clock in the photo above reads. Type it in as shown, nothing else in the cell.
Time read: 6:38:26
